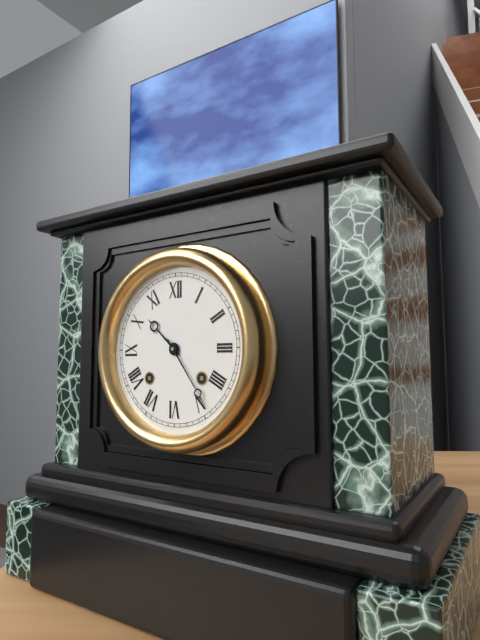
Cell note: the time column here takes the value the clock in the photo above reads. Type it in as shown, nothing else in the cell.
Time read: 10:24
